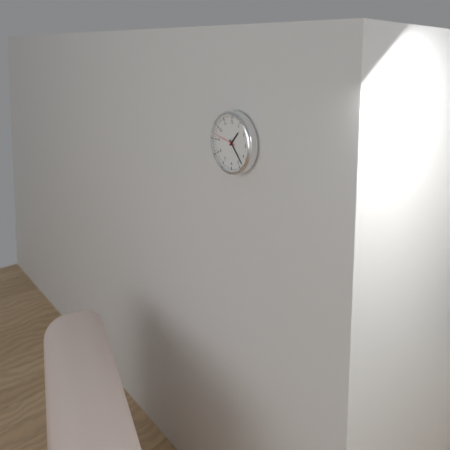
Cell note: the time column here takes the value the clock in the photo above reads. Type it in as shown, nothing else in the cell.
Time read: 1:23
